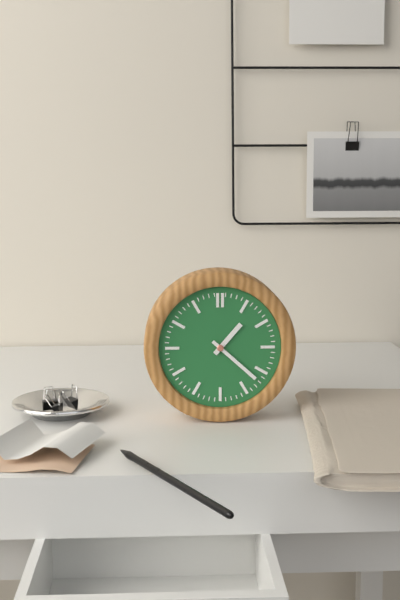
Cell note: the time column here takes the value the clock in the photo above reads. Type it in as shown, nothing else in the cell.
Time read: 1:22
